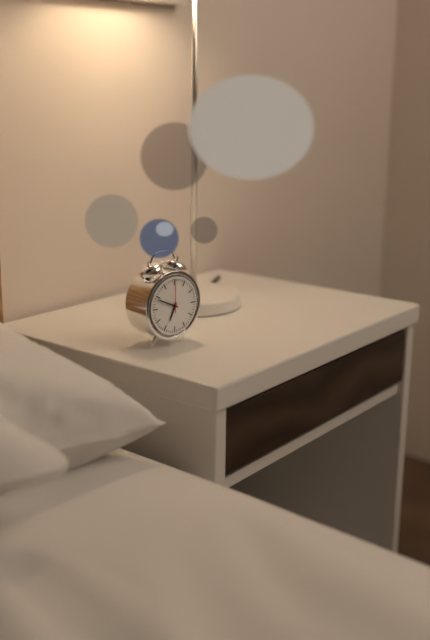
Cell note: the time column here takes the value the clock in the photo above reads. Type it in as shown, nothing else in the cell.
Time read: 6:49
